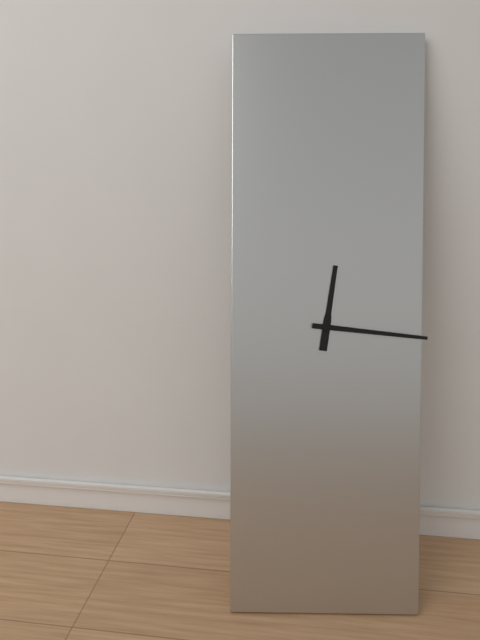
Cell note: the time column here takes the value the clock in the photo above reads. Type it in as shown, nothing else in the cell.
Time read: 12:16
